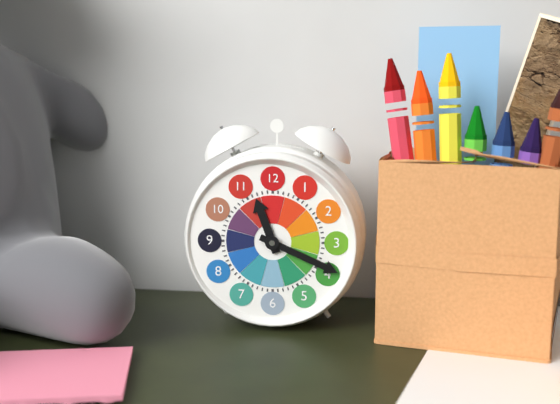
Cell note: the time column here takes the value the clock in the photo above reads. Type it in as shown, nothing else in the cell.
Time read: 11:19
